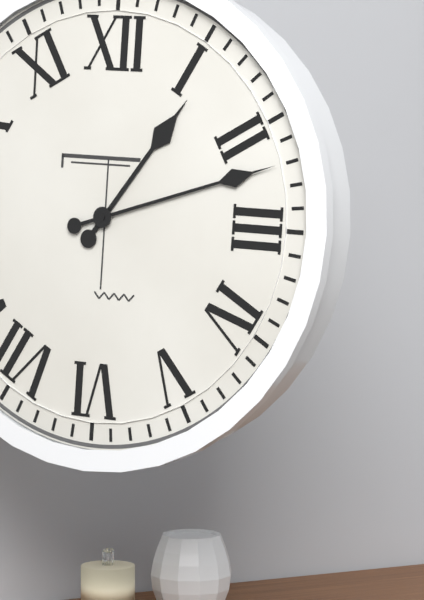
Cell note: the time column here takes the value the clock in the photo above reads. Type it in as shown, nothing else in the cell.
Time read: 1:12
